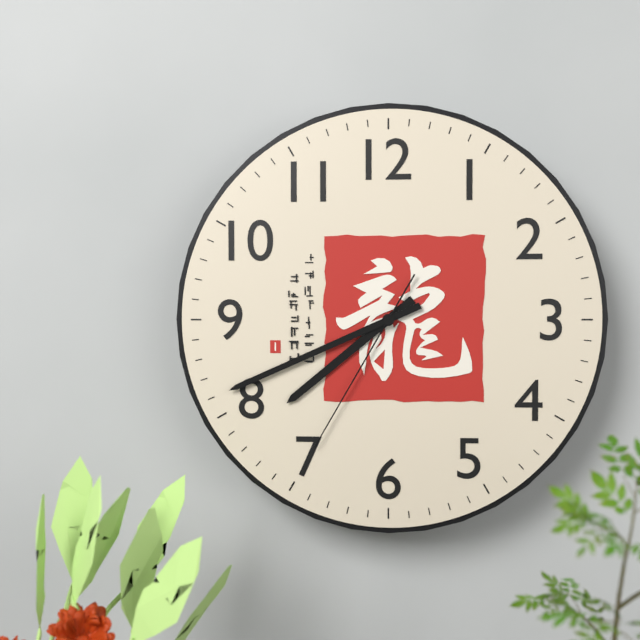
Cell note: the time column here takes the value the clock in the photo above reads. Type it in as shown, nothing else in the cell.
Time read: 7:41:35
